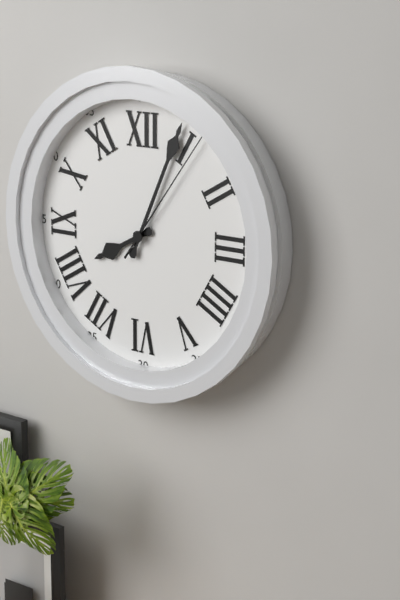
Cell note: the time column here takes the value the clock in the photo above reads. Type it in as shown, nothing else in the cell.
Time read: 8:04:06
